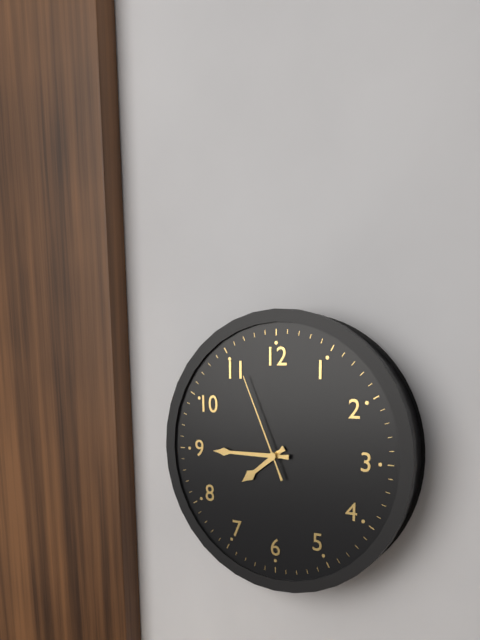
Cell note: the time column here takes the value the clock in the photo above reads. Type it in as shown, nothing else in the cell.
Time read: 7:45:56
